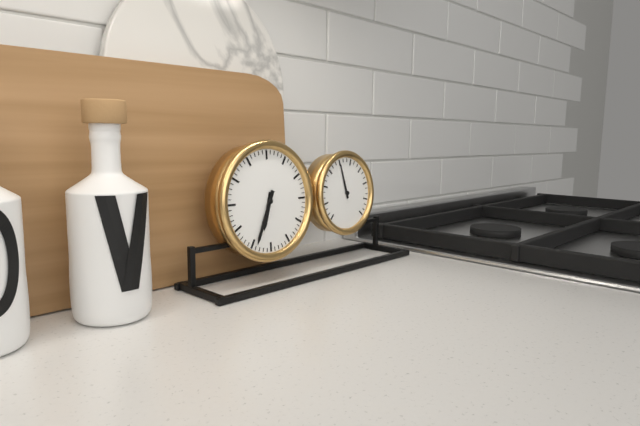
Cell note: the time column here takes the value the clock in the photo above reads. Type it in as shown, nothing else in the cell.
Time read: 6:34
